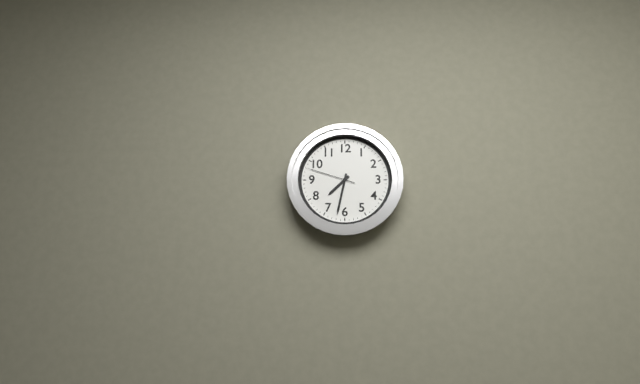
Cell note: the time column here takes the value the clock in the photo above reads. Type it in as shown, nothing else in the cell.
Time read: 7:32
